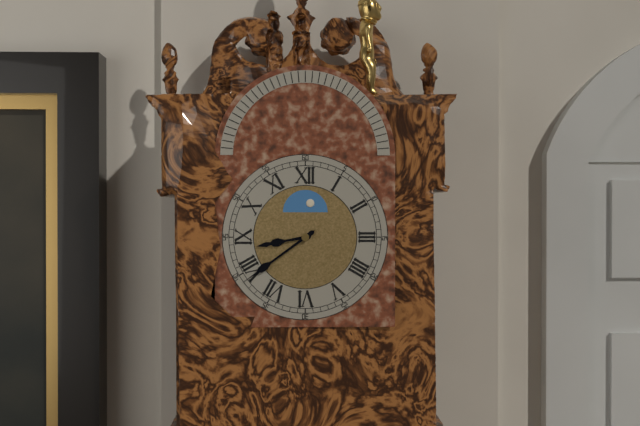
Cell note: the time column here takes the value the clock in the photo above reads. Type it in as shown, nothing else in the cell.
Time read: 8:39
